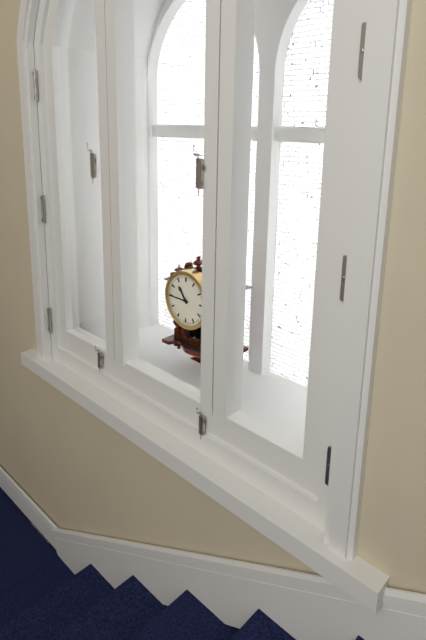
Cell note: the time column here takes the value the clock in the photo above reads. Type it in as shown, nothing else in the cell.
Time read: 10:45
